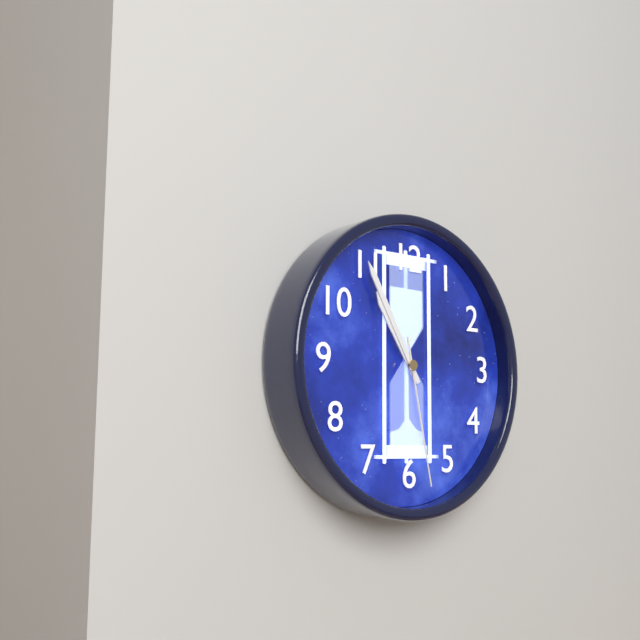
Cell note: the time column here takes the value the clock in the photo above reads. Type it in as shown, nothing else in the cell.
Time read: 10:55:28
